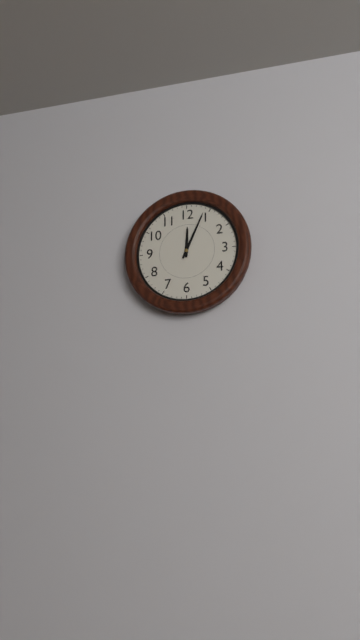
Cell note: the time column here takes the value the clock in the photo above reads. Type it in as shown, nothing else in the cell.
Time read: 12:04
